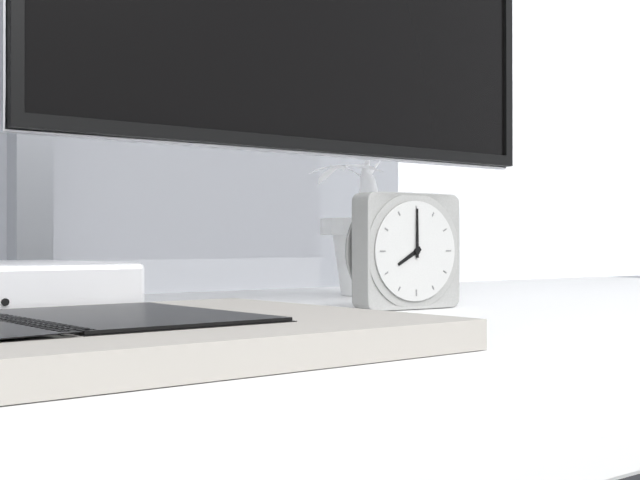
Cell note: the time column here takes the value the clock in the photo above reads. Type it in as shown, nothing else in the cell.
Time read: 8:00
